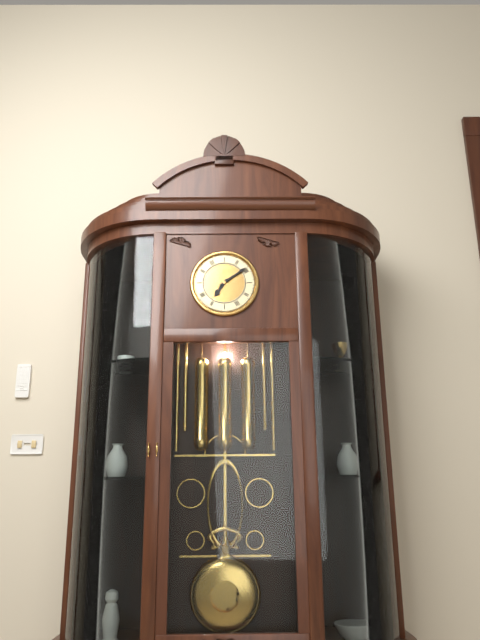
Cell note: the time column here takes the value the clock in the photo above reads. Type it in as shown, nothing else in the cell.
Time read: 7:09
